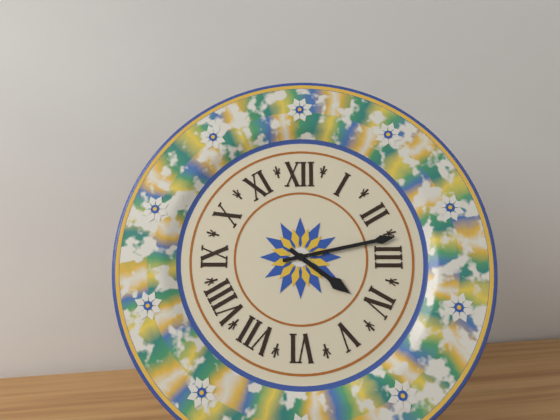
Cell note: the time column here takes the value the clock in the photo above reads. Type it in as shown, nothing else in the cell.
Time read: 4:13
